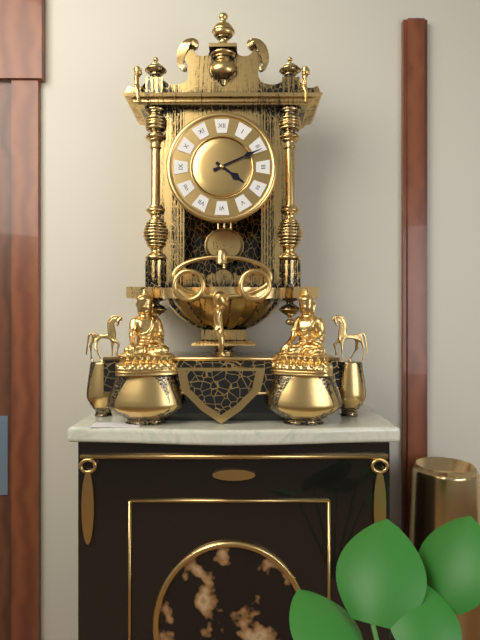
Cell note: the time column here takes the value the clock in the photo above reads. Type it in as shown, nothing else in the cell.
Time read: 4:11
